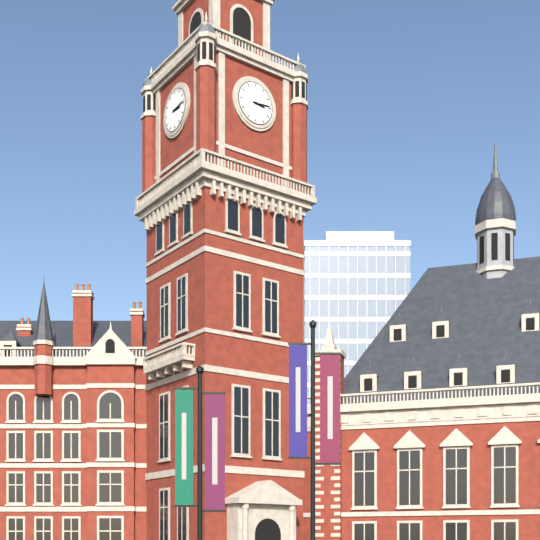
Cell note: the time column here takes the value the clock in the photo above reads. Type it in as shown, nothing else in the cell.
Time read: 3:14
